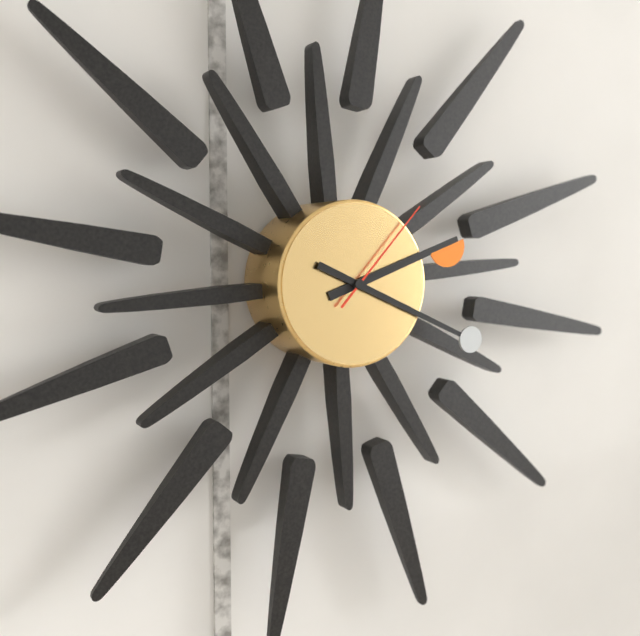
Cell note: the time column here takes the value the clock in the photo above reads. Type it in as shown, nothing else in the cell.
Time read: 2:19:07
